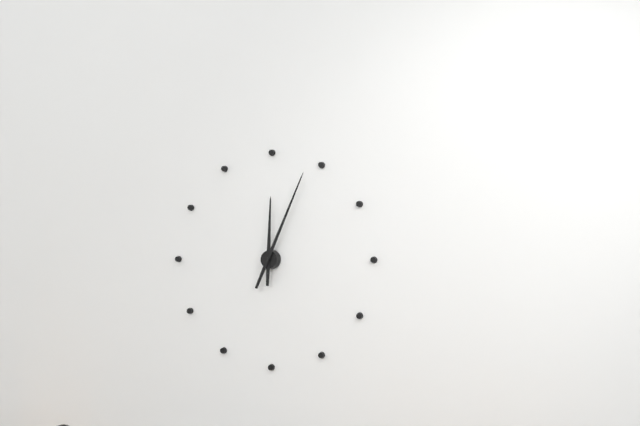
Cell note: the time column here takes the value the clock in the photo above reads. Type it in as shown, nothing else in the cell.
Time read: 12:04
